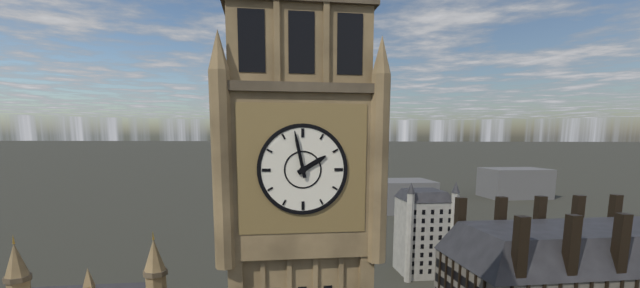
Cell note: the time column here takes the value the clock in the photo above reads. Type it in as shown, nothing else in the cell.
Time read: 1:58
